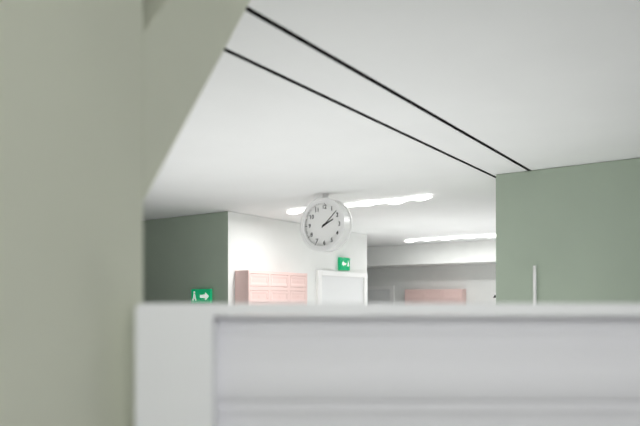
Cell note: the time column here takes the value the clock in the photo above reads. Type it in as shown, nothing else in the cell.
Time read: 2:08
